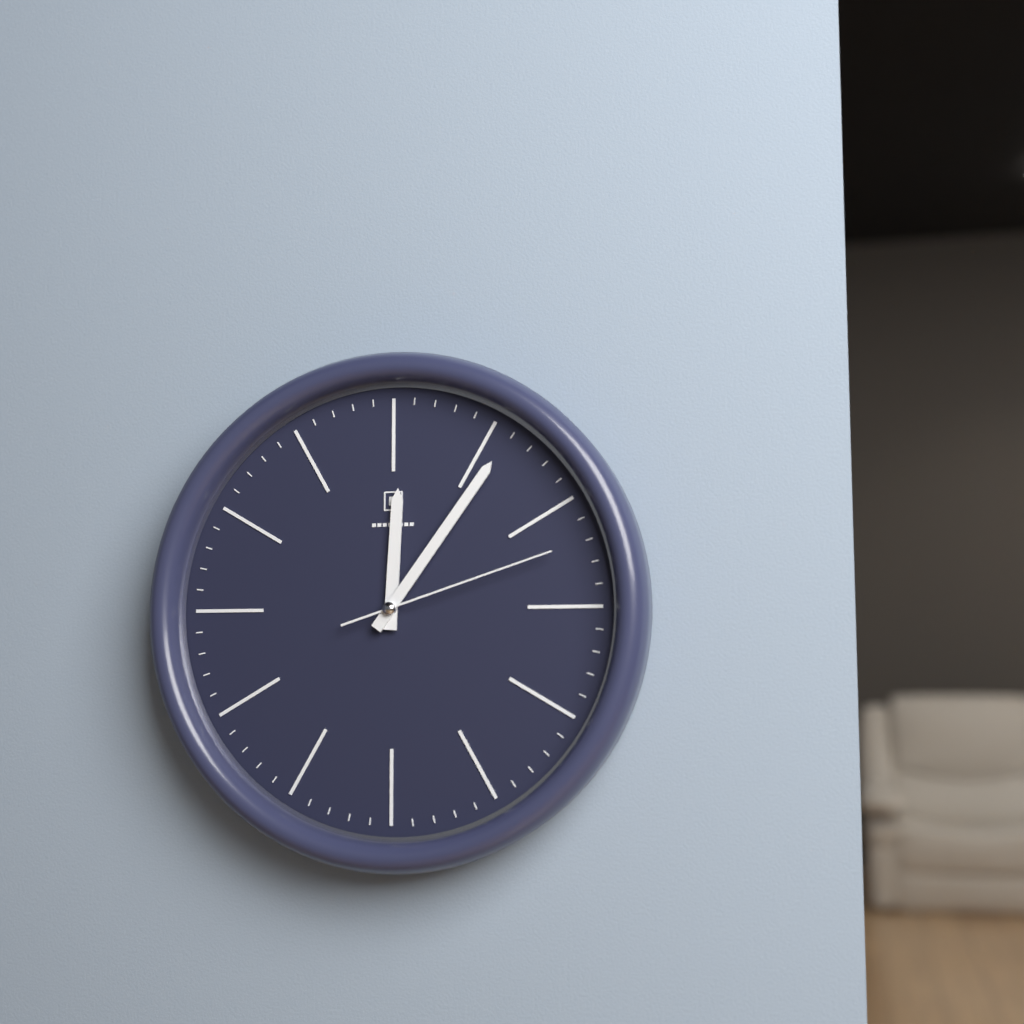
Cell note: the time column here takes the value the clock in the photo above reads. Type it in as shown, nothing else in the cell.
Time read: 12:06:12
